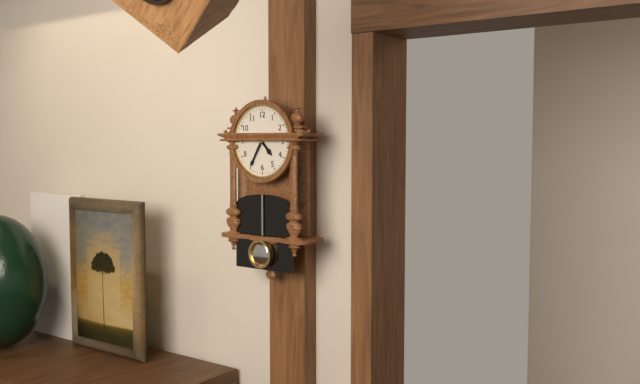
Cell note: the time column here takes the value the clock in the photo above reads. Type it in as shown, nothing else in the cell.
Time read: 4:35
